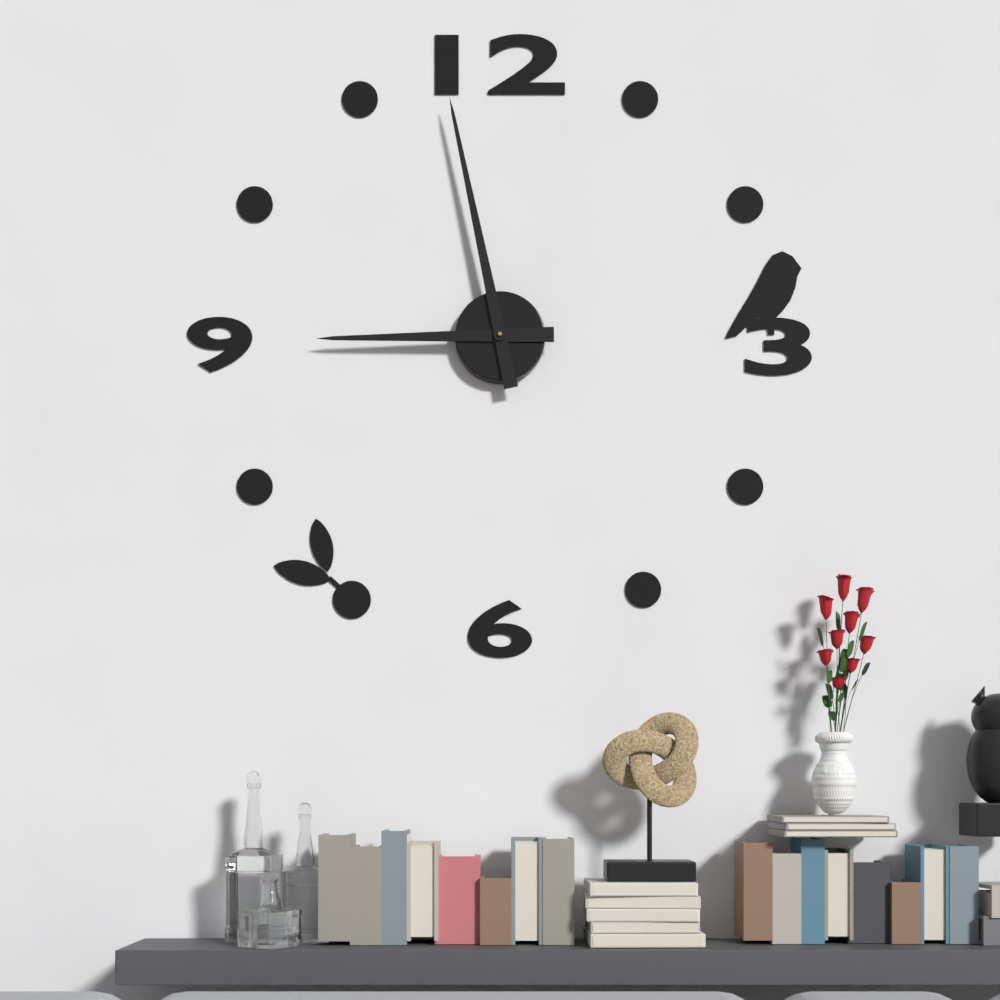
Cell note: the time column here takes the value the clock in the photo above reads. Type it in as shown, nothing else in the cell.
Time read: 8:58
